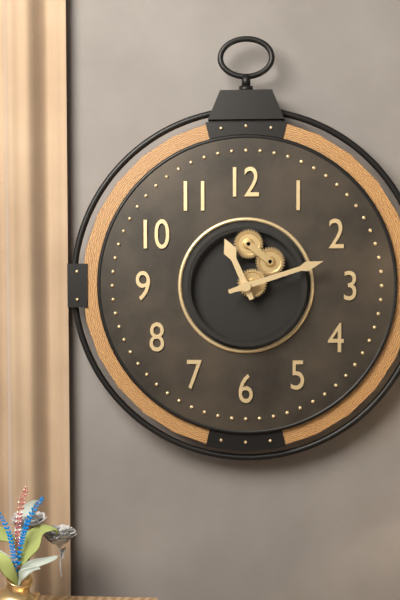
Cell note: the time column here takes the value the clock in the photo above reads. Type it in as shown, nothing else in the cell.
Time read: 11:12
